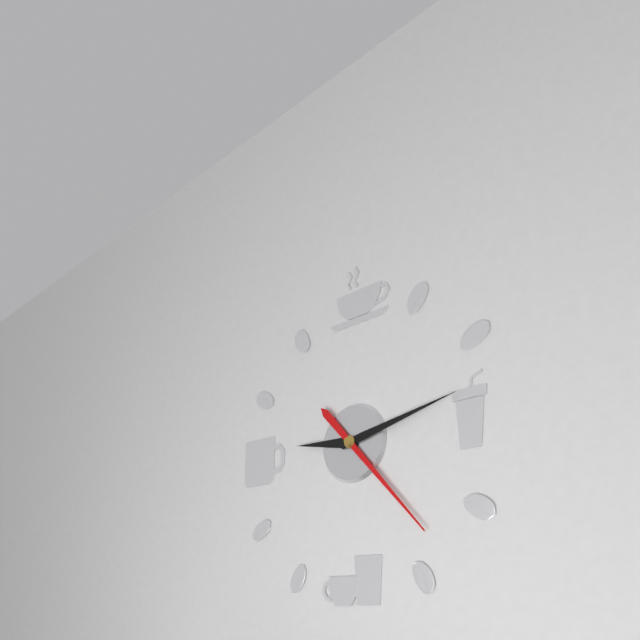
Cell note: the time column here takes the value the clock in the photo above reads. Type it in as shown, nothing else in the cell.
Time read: 9:13:23
